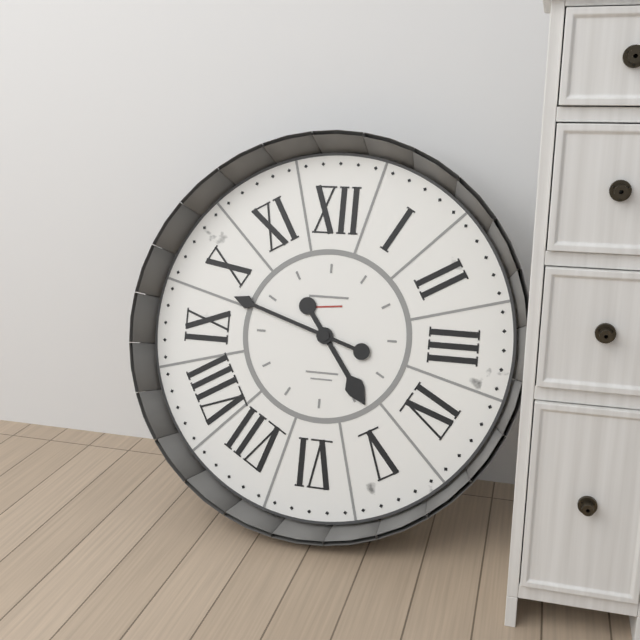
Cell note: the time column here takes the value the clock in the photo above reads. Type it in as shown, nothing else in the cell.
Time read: 4:48
